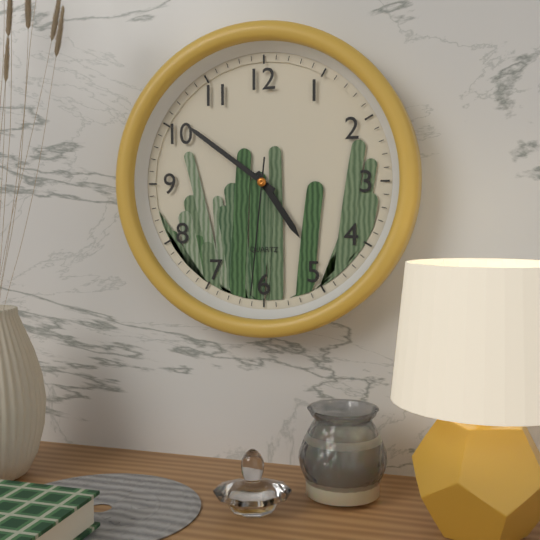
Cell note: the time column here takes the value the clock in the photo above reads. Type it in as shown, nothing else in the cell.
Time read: 4:51:31
